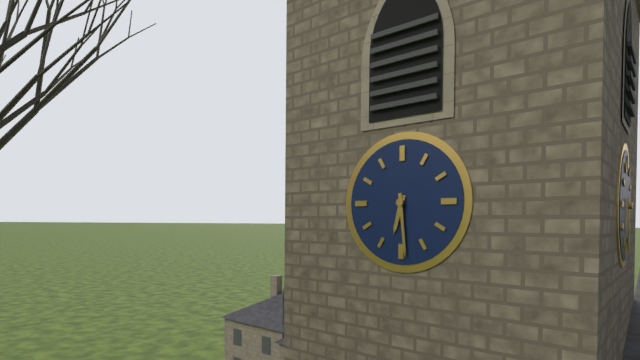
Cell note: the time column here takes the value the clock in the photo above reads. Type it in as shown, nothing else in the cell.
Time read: 6:29
